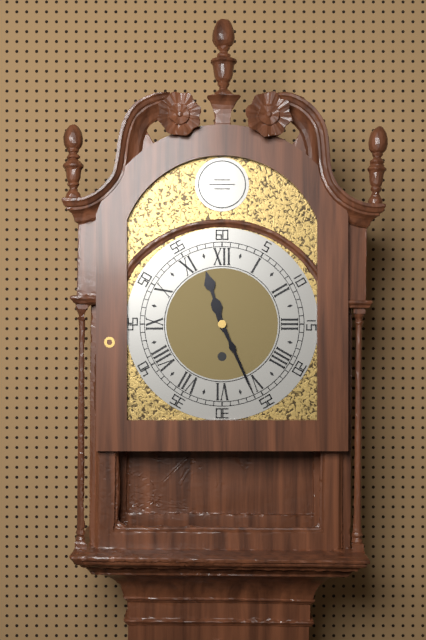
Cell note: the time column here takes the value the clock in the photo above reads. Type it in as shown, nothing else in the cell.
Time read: 11:26
